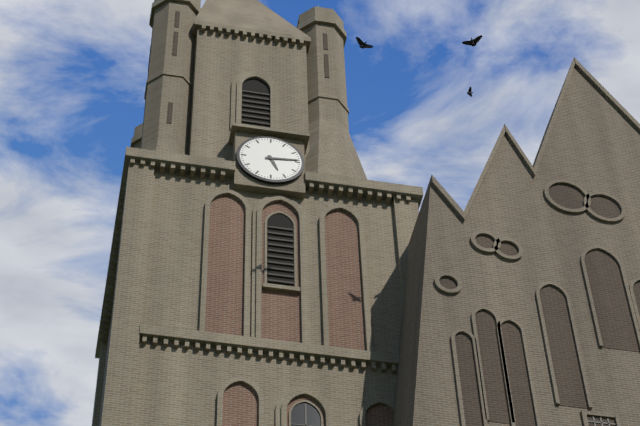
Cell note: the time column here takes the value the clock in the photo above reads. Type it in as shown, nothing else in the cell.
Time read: 5:14
